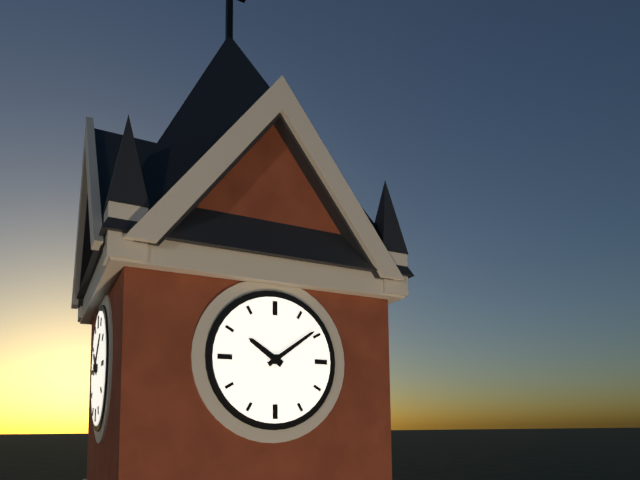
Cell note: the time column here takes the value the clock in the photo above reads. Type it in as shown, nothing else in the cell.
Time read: 10:09
